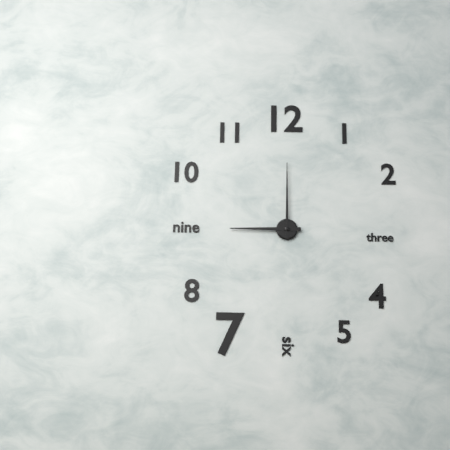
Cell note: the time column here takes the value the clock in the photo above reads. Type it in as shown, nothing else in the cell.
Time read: 9:00
